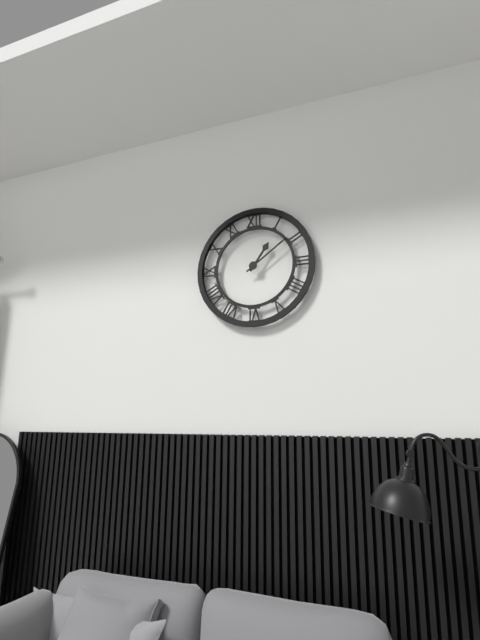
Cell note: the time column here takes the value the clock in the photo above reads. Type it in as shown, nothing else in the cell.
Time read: 1:09
